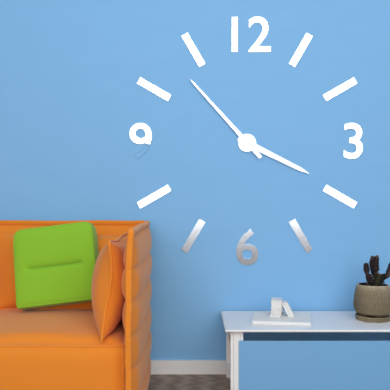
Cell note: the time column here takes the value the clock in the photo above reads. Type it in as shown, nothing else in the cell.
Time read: 3:53
